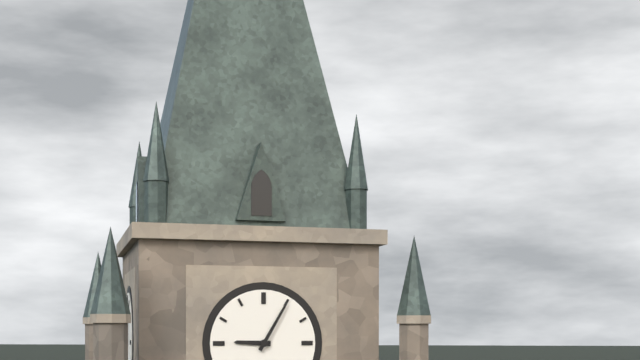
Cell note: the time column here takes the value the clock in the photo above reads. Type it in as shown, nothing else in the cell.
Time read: 9:05
